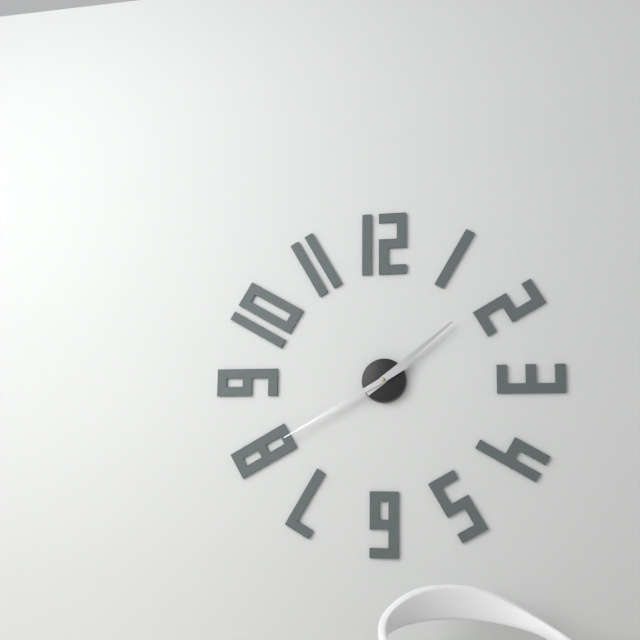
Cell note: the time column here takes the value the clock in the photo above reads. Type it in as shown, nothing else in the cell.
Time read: 1:40
